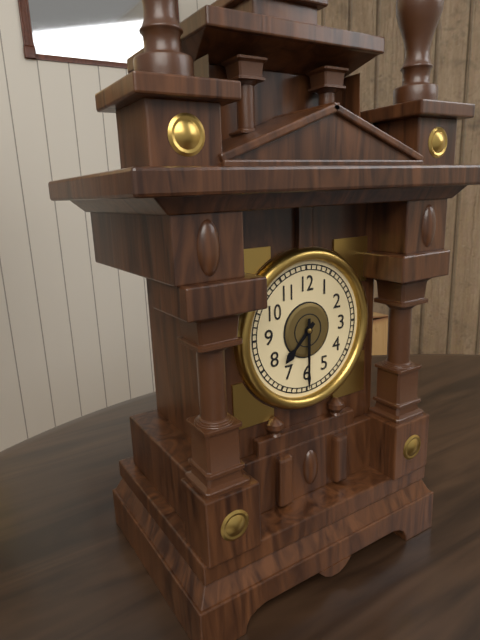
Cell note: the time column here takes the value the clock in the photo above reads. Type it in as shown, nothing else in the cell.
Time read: 7:30
